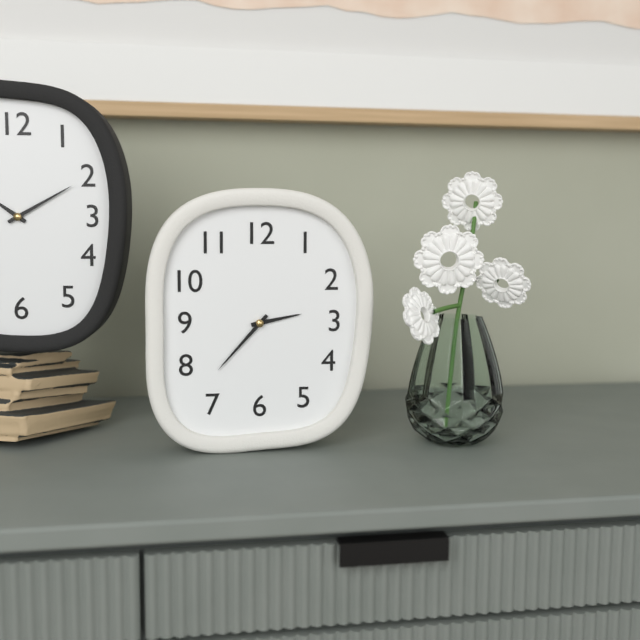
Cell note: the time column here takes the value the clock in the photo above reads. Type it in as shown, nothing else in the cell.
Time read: 2:37
